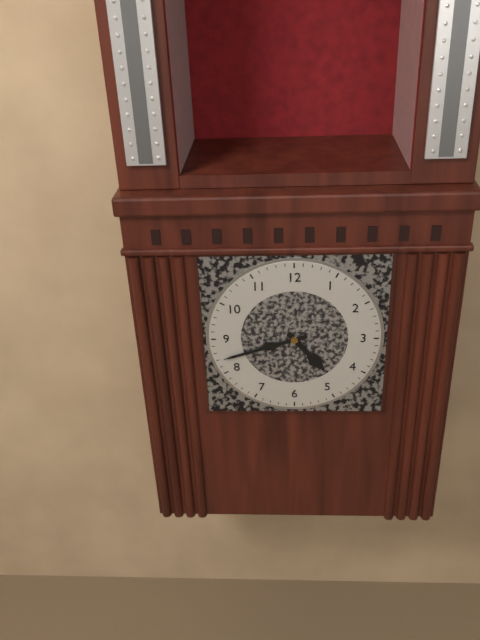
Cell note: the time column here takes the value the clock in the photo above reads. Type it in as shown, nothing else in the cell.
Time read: 4:42
